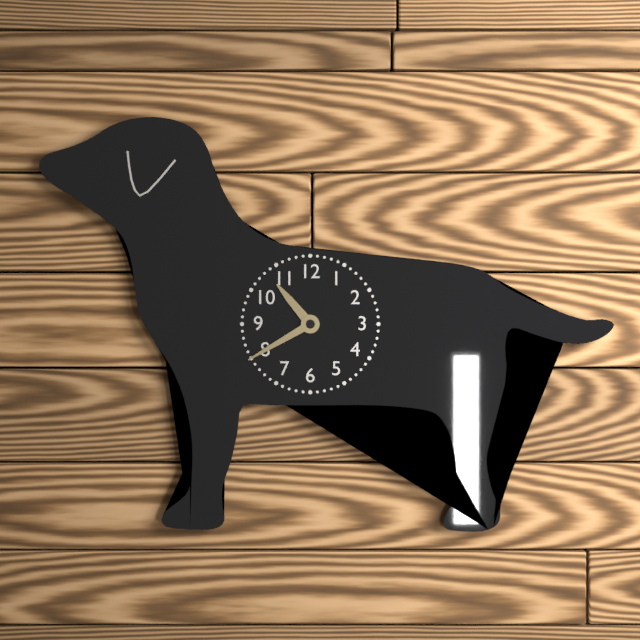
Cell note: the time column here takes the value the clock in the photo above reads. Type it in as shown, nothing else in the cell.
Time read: 10:40
